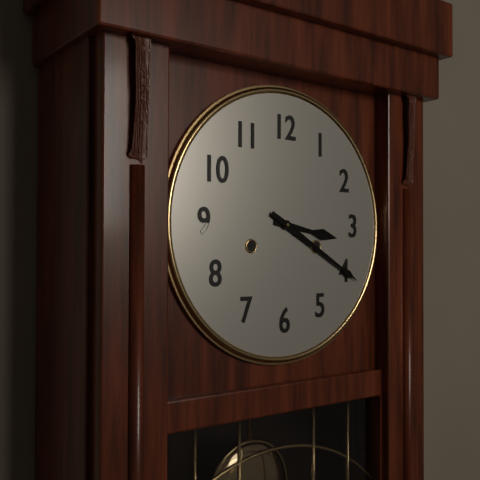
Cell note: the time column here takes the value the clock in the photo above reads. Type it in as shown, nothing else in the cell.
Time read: 3:20
